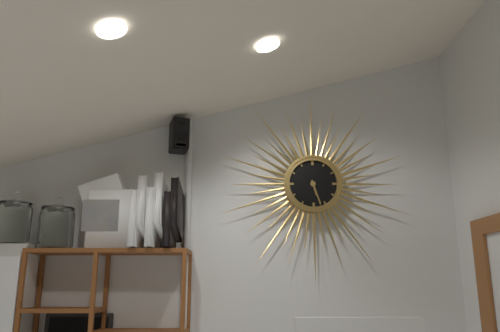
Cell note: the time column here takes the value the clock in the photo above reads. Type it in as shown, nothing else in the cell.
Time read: 5:27
